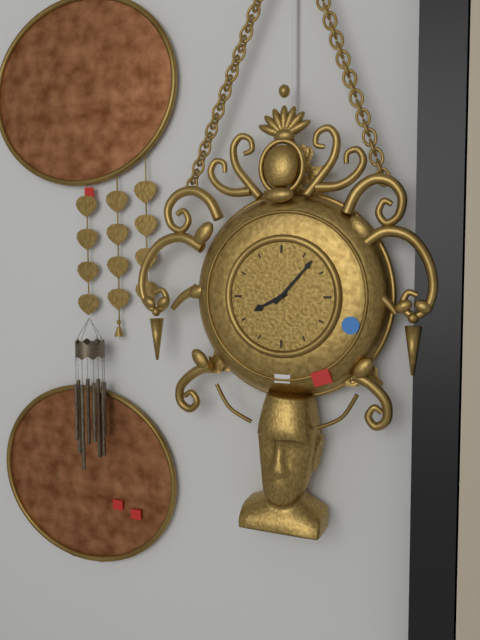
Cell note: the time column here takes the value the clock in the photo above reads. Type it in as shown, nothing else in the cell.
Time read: 8:07
